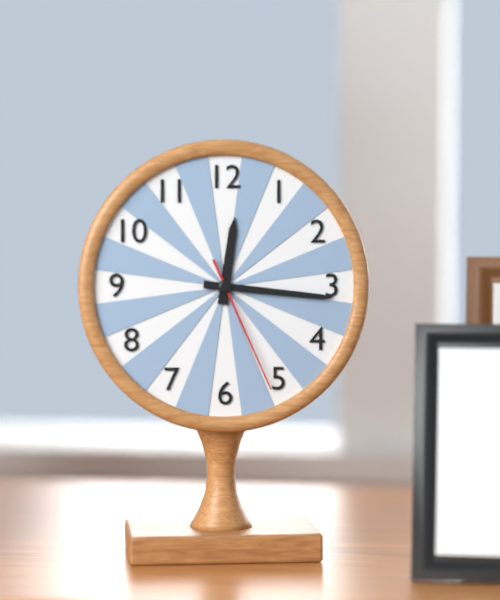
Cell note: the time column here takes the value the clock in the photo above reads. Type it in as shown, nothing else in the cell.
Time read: 12:16:26
